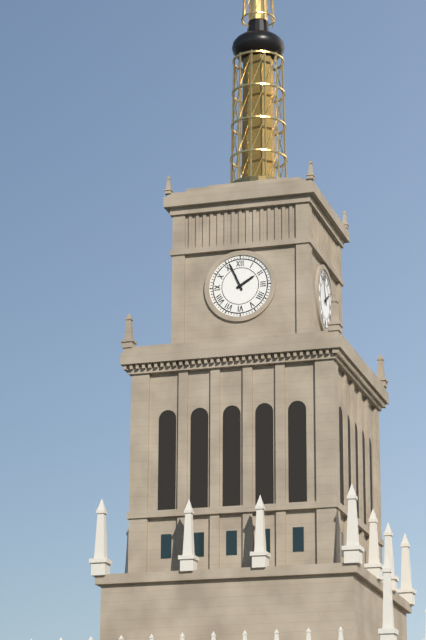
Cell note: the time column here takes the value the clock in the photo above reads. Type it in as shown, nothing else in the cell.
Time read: 1:56
